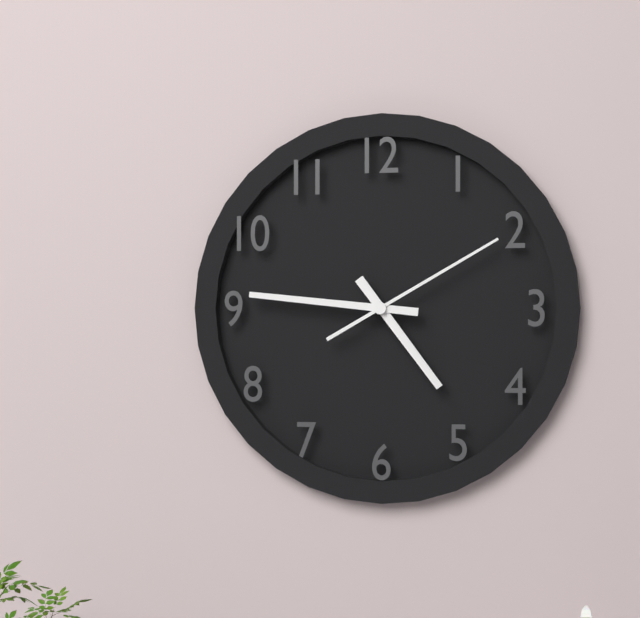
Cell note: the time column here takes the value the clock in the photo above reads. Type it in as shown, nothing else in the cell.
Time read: 4:46:10
